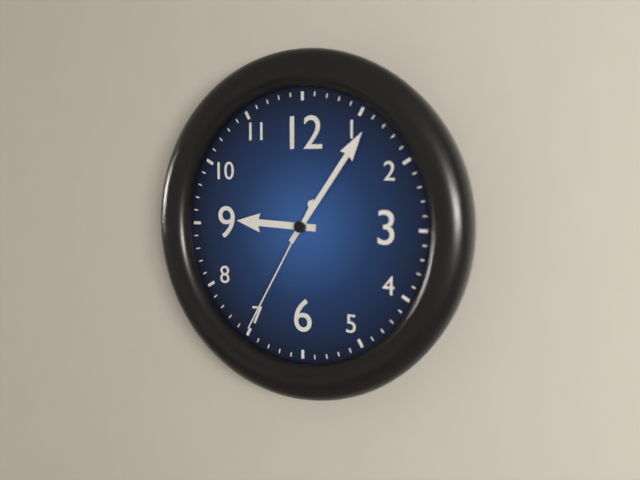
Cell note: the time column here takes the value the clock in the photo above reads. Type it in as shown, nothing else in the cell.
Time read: 9:06:35
